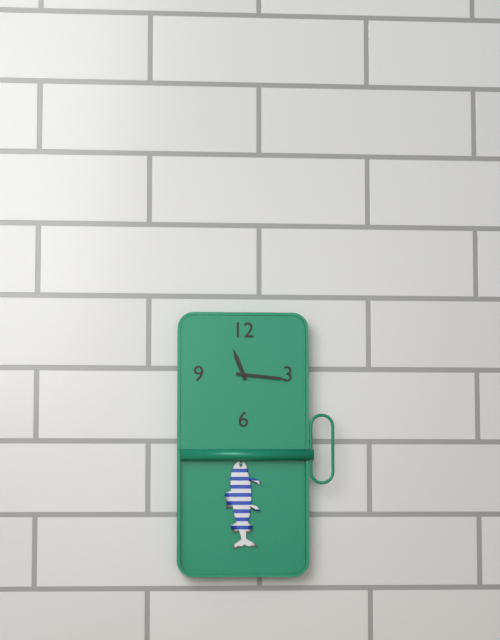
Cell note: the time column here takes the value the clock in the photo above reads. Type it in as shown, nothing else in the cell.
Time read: 11:16
